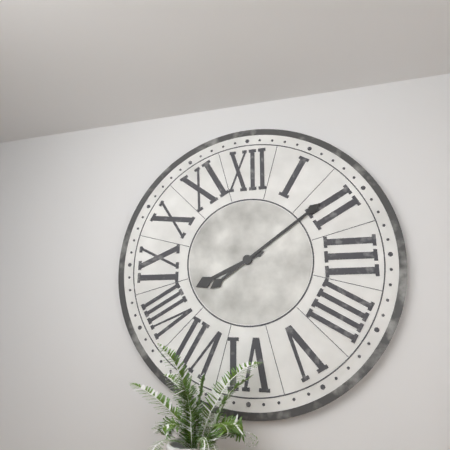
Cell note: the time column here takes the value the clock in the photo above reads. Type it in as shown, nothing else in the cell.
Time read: 8:09
